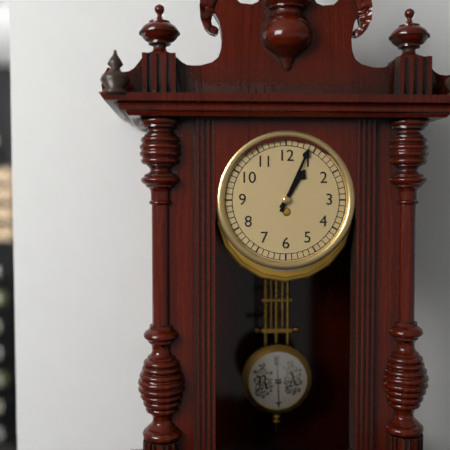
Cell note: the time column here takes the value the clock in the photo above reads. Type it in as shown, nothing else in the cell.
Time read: 1:04
